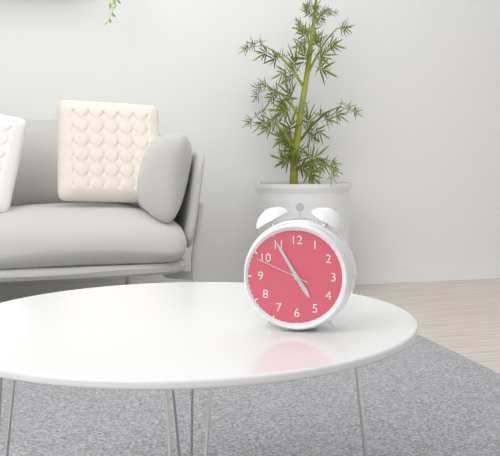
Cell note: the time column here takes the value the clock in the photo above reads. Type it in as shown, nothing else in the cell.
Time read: 4:55:49
